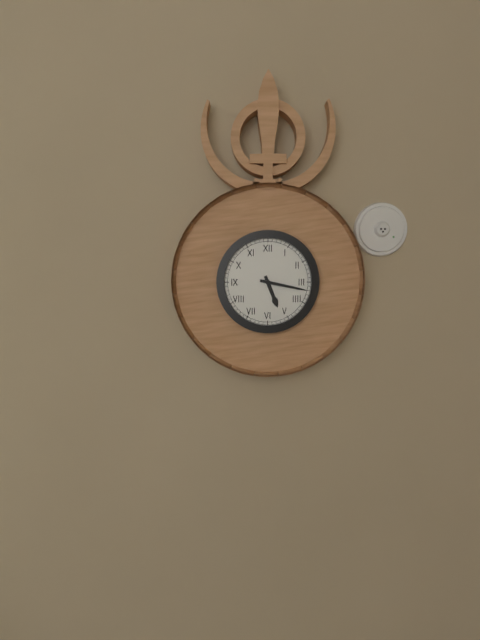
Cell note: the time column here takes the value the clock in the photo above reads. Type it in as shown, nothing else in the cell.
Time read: 5:17
